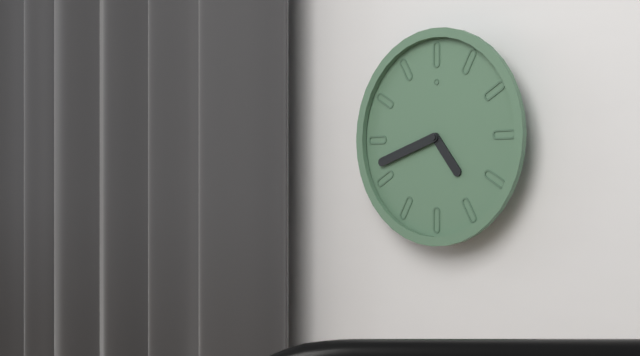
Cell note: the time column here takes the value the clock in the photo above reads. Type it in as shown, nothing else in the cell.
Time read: 4:42
